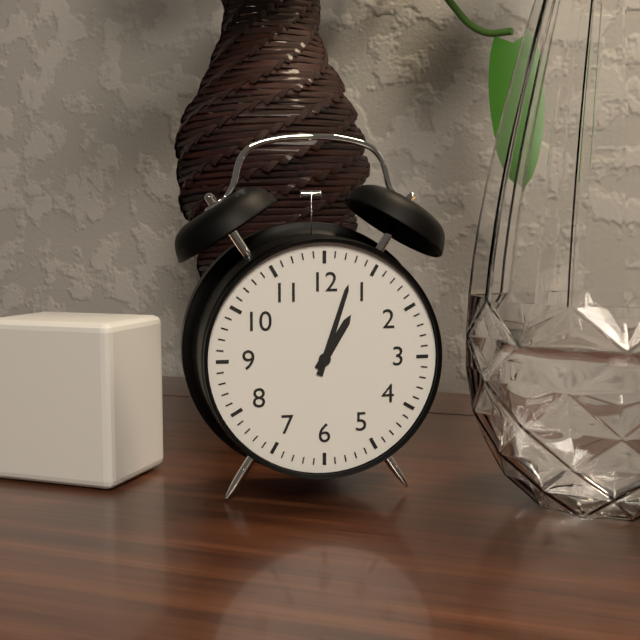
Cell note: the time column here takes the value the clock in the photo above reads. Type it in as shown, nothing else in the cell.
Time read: 1:03
